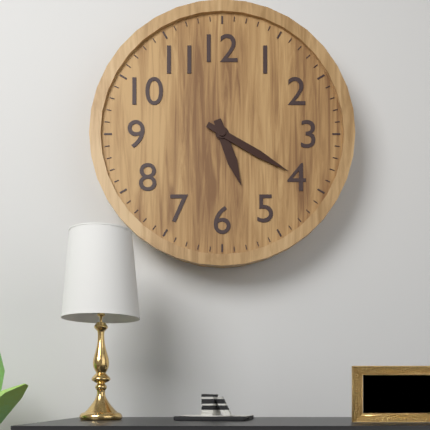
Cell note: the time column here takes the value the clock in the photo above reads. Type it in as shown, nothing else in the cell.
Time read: 5:20
